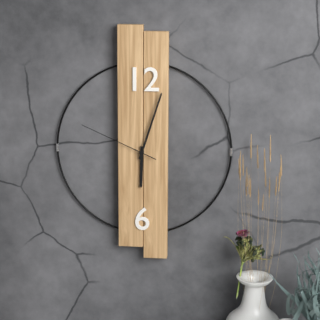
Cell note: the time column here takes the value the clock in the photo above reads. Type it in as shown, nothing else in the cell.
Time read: 6:03:49
